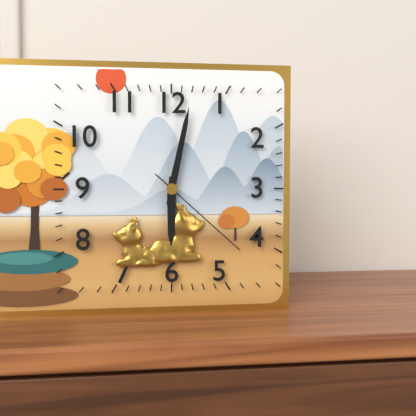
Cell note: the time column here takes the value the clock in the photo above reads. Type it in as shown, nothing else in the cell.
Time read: 6:02:22
